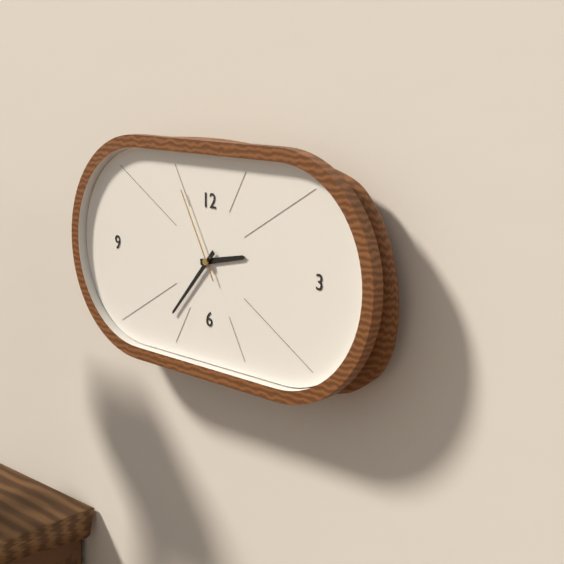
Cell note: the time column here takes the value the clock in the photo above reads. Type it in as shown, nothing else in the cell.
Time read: 2:37:55
